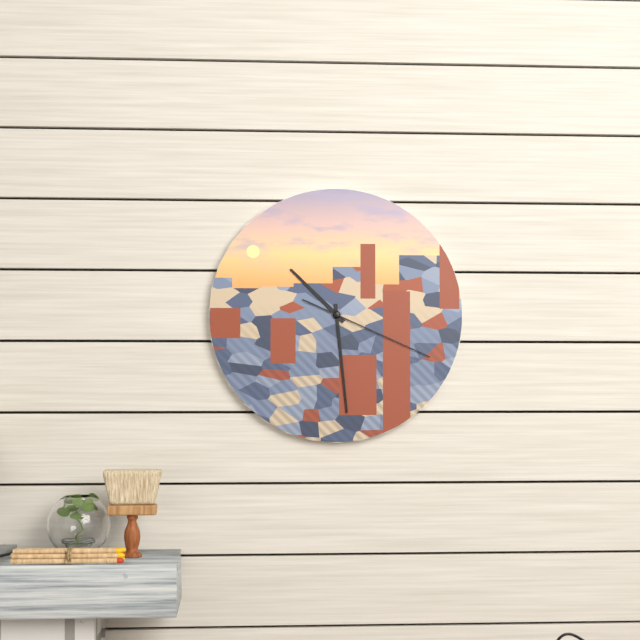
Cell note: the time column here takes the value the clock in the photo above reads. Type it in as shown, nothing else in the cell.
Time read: 10:29:19
